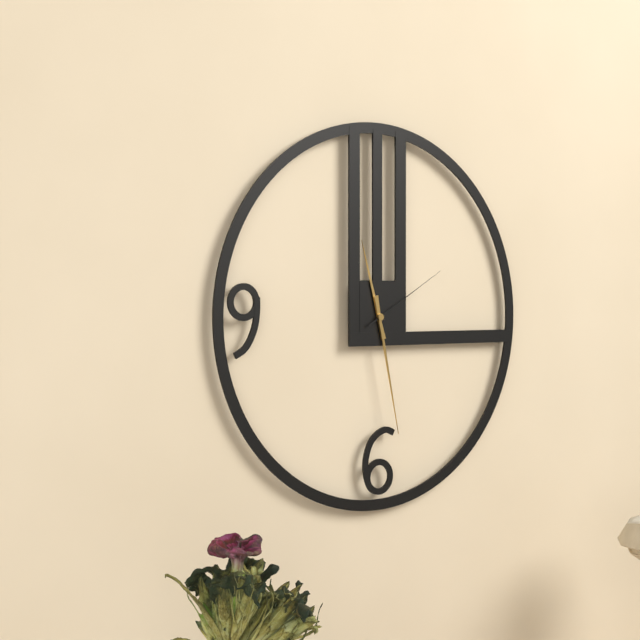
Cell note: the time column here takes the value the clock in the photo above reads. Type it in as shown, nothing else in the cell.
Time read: 11:28:10
